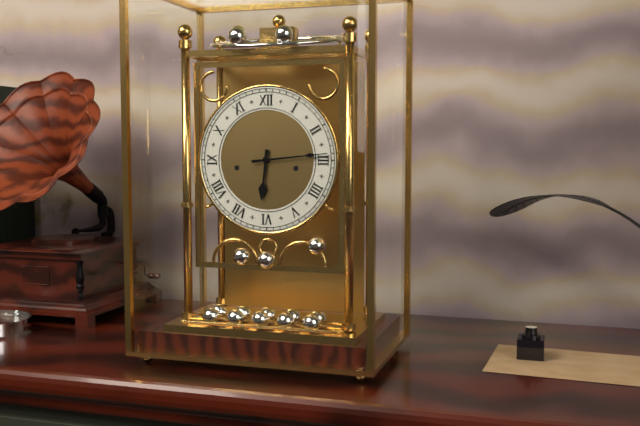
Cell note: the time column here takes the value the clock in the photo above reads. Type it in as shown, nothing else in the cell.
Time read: 6:14
